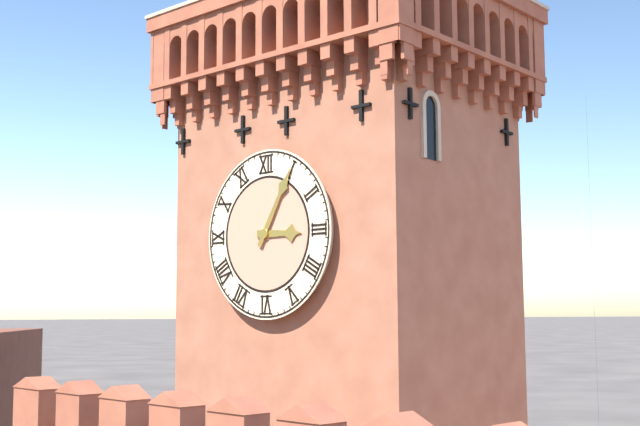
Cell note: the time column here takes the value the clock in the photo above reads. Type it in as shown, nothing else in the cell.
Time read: 3:05
